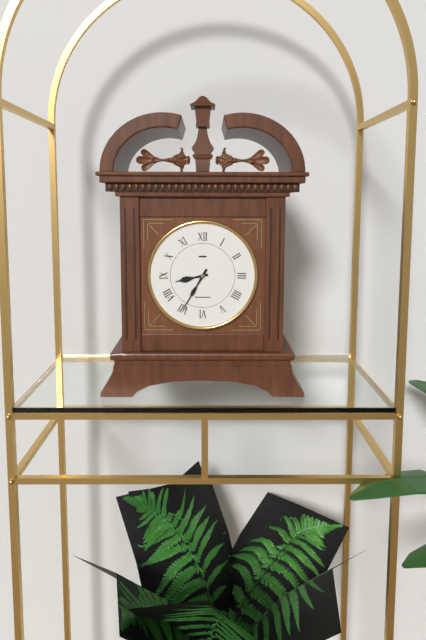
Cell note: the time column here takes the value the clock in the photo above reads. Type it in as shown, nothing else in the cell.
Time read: 8:35
